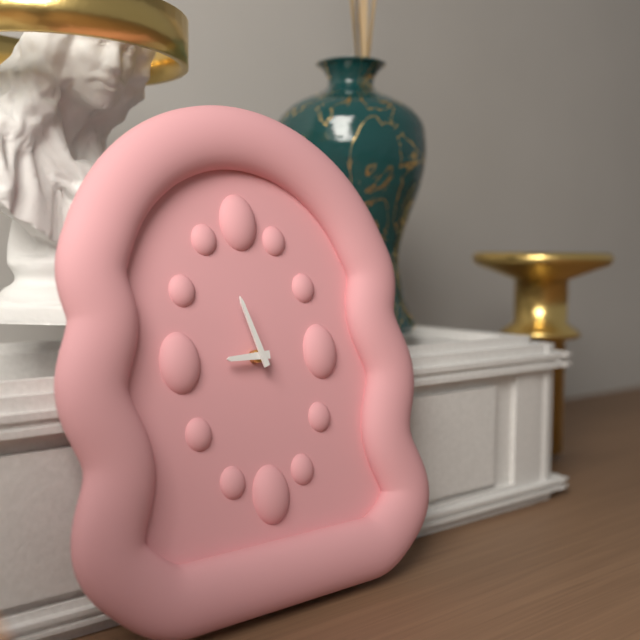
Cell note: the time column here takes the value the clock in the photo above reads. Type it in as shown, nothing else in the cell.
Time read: 8:57
